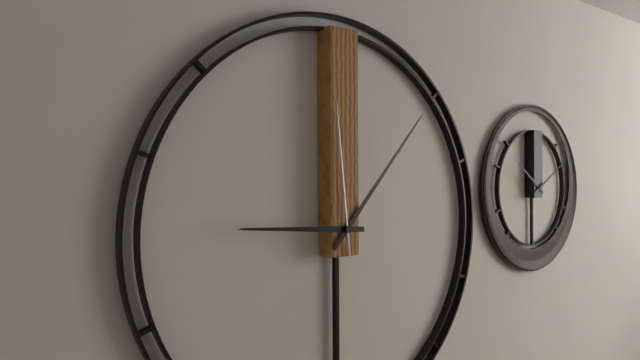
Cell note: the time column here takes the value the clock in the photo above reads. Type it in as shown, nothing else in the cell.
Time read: 9:07:59
